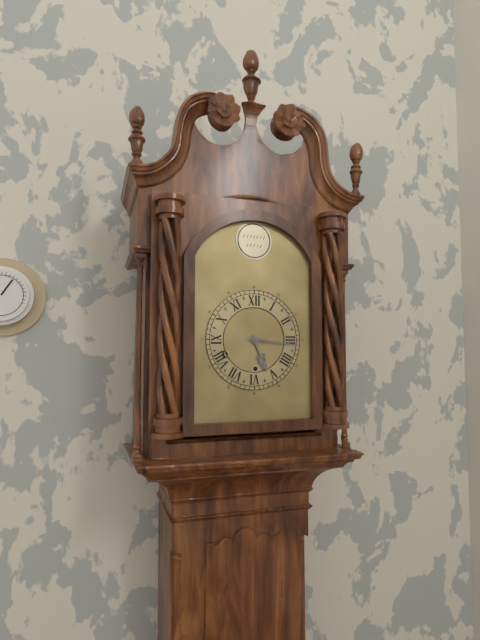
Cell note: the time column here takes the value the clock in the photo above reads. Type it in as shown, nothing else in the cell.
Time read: 5:16
